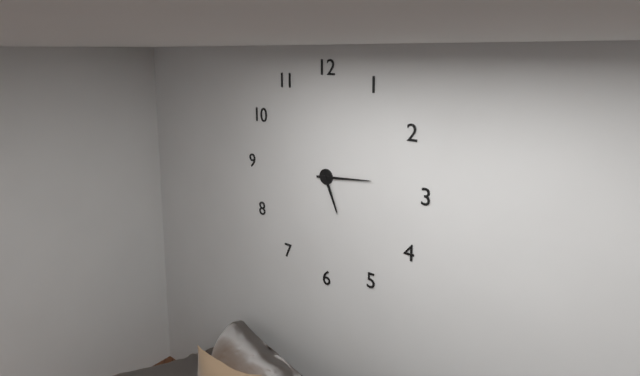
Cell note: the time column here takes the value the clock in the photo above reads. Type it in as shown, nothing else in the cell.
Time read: 5:14
